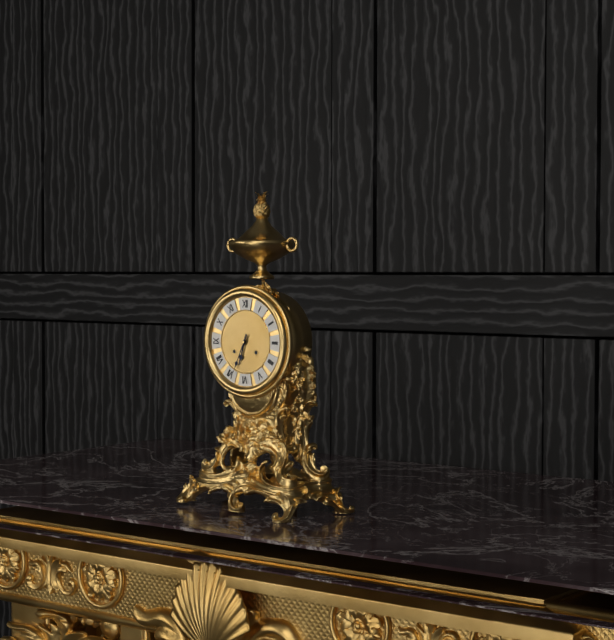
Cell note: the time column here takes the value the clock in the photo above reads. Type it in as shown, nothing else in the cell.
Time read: 6:34
